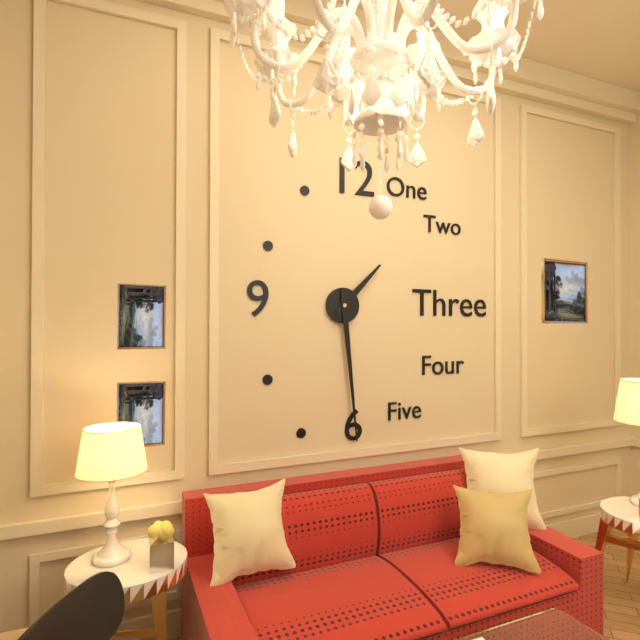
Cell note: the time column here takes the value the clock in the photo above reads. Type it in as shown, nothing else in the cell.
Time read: 1:29
